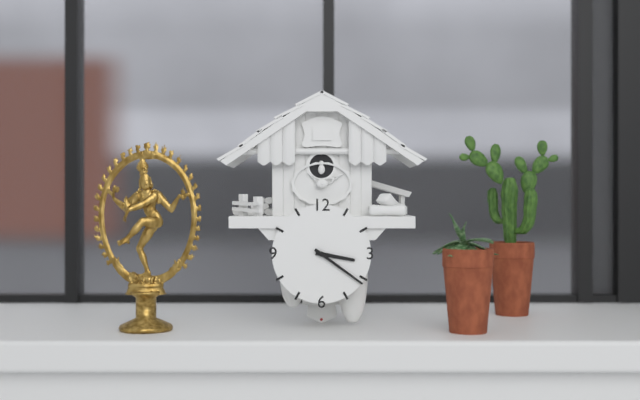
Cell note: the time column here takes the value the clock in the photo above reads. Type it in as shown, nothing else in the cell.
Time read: 3:21
